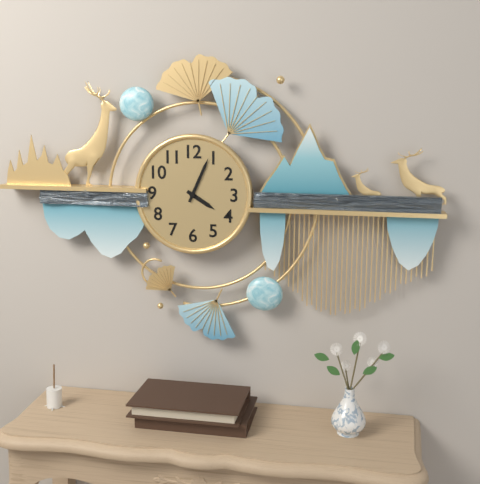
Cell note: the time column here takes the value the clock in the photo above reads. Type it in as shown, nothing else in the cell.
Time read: 4:04
